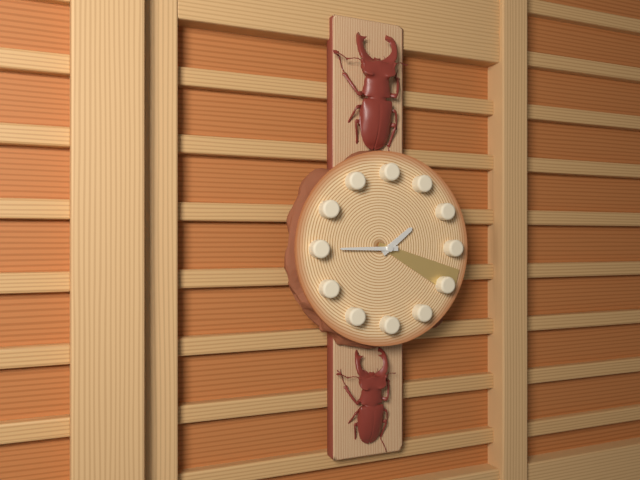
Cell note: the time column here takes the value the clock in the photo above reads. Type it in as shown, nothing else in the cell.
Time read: 1:45:19
